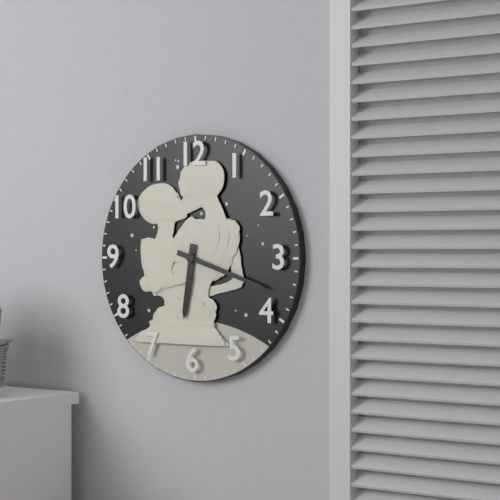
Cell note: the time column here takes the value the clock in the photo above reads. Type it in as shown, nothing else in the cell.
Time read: 6:18
